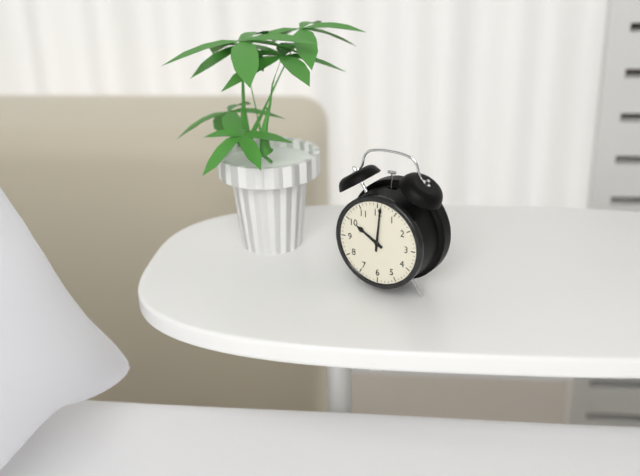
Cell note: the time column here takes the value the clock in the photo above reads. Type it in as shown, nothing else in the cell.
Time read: 10:01
